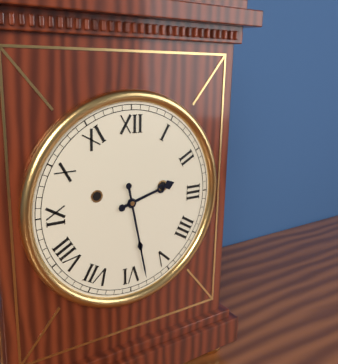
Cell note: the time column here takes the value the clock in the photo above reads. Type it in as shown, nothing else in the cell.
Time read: 2:28
